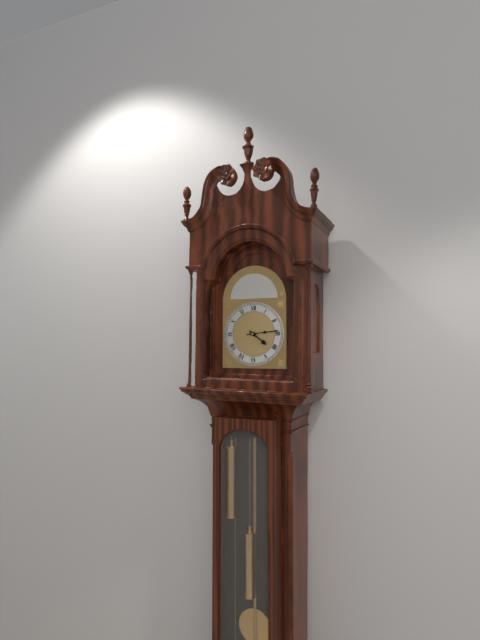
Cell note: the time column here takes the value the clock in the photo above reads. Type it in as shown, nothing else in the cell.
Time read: 4:14
